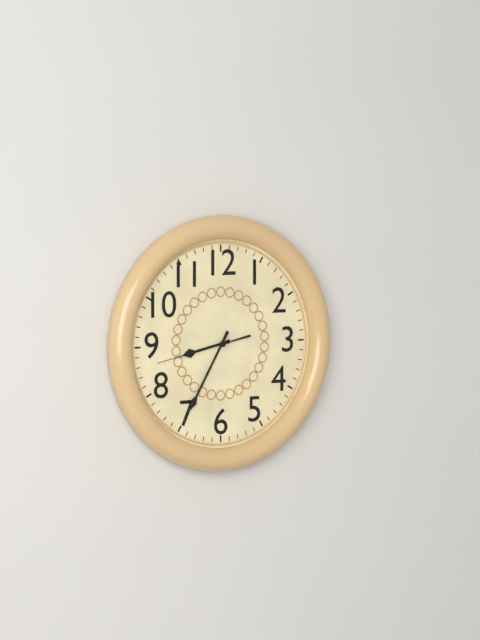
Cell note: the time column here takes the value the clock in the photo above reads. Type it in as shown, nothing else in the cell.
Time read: 8:35:43
